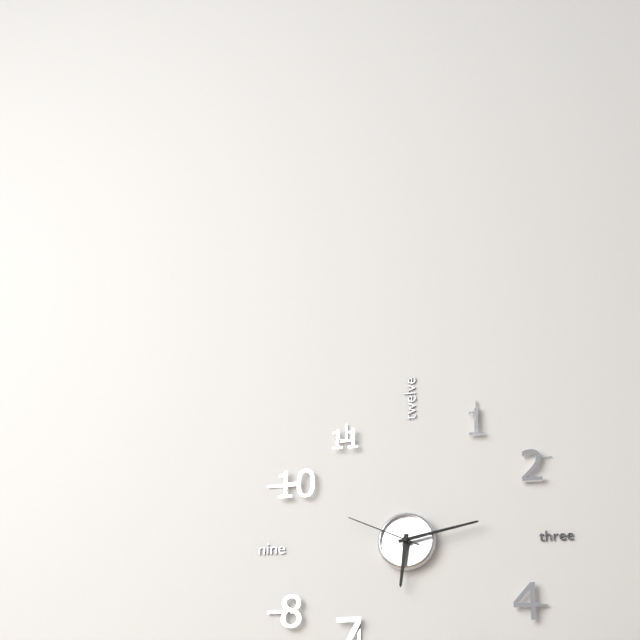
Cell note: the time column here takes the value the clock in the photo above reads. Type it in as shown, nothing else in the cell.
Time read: 6:13:49
